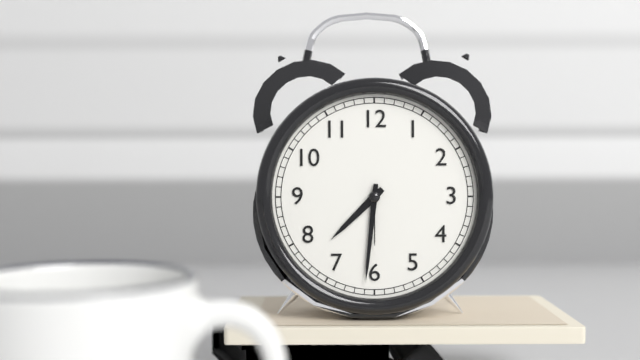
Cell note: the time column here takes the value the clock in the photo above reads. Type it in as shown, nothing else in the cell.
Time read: 7:31:30
